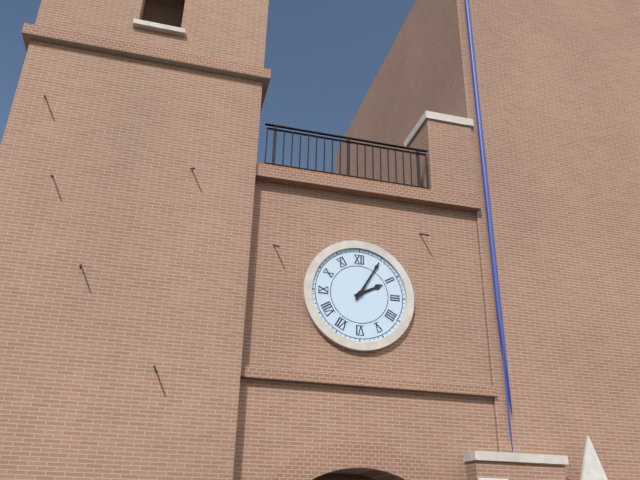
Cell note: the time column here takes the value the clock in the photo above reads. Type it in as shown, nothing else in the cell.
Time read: 2:05
